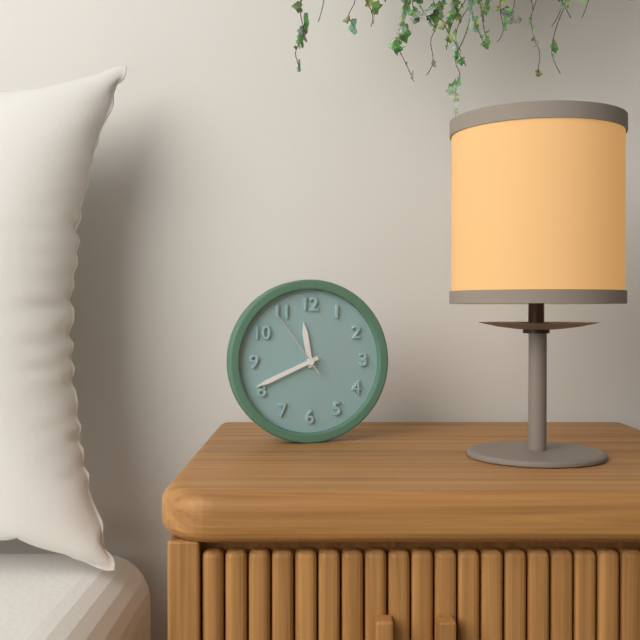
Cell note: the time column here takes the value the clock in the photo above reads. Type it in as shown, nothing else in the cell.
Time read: 11:41:54
